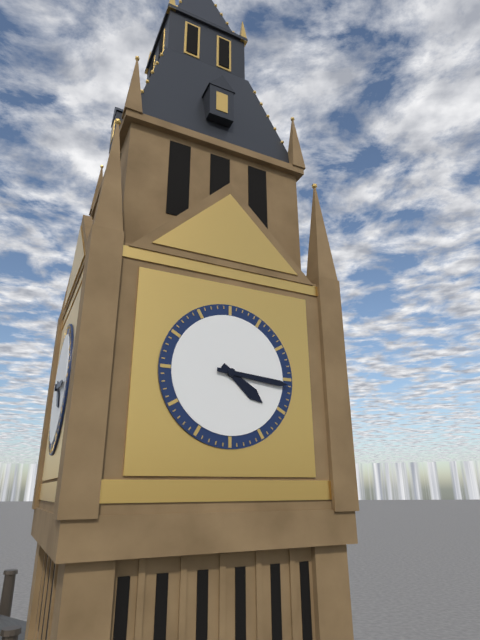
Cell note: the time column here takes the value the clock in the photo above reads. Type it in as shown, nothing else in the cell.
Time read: 4:16
